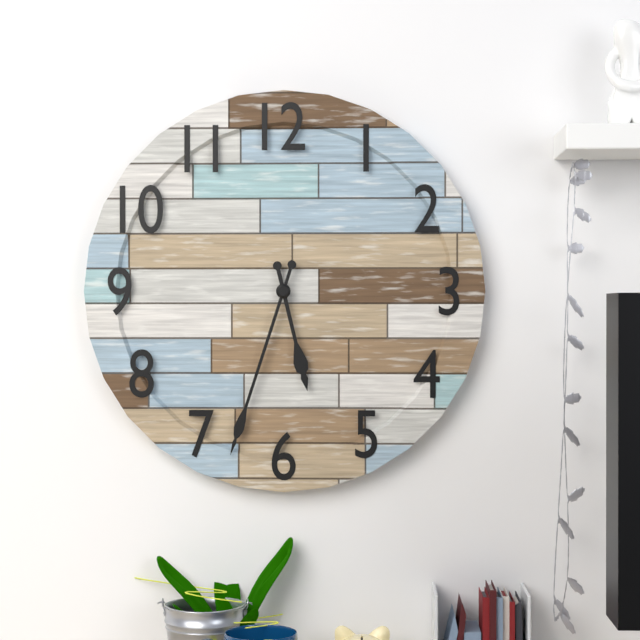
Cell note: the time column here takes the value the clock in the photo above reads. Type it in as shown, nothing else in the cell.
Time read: 5:33
